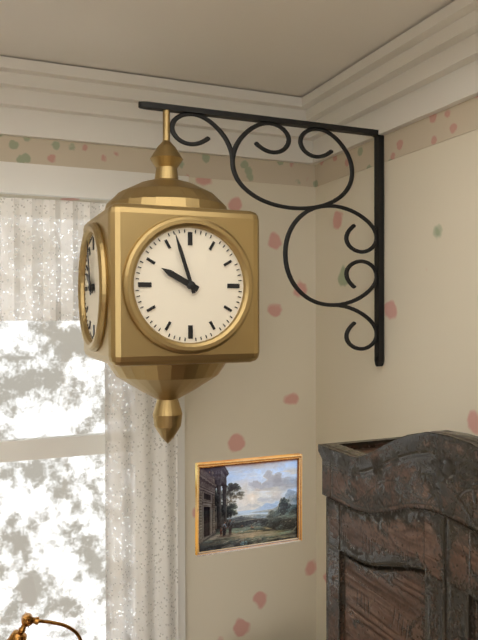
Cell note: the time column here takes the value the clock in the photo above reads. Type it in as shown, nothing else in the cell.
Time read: 9:57
